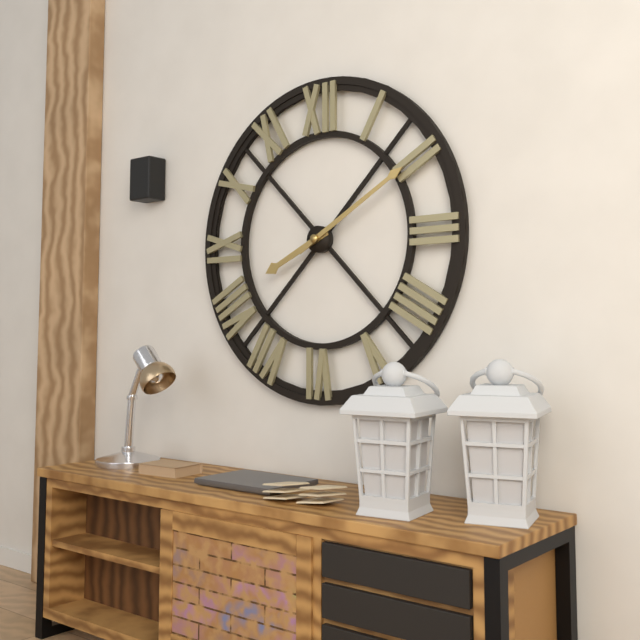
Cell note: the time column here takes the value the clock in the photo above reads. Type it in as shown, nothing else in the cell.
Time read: 8:10
